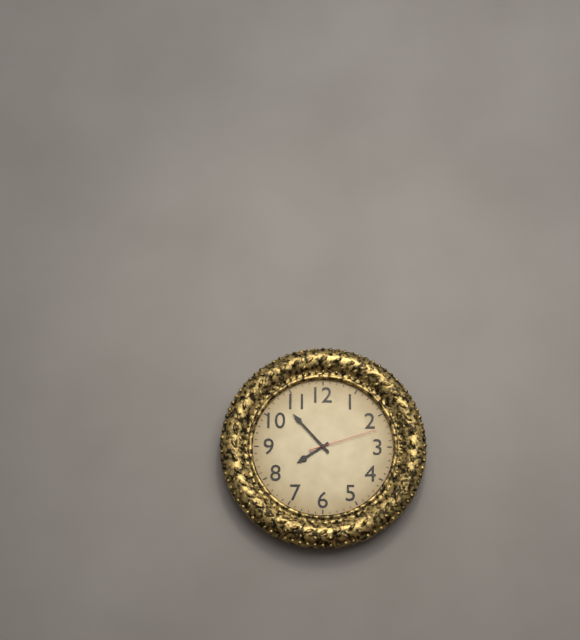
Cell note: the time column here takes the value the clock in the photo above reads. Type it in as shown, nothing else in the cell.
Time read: 7:53:12
